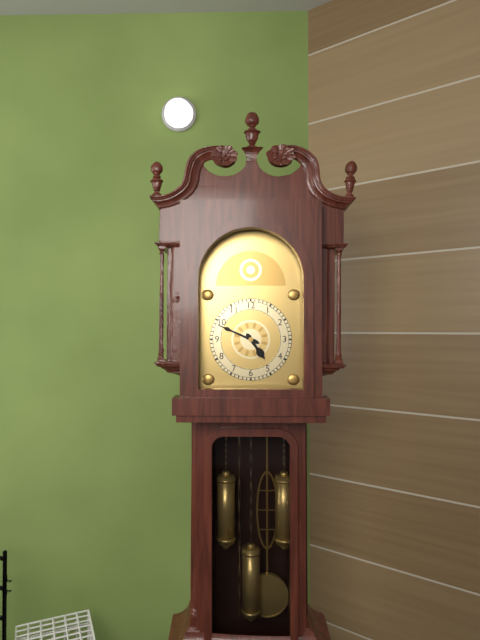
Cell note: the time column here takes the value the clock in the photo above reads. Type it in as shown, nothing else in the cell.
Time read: 4:49
